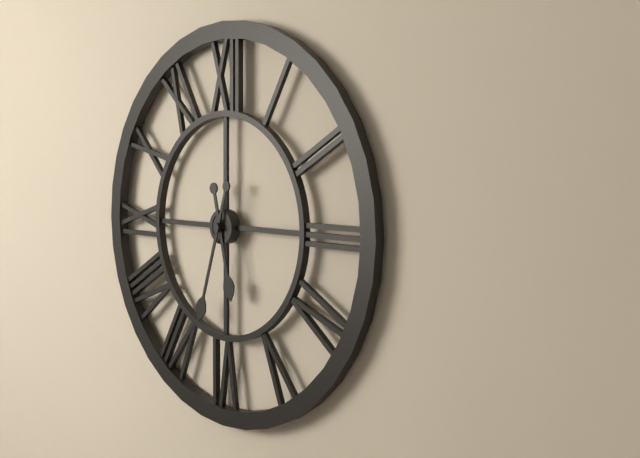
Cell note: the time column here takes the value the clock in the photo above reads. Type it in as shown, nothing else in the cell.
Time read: 5:33
